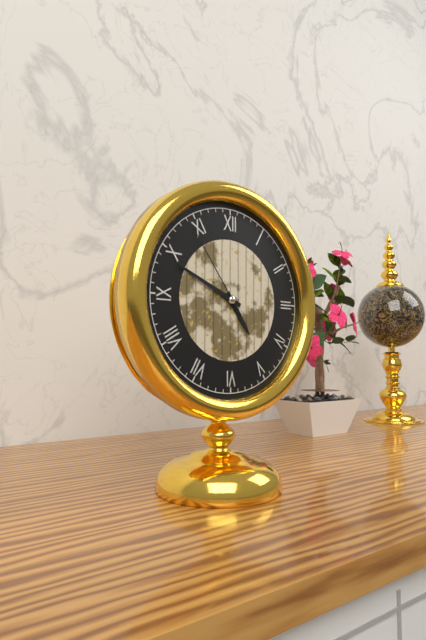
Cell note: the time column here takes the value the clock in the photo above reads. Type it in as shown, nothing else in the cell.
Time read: 4:49:54
